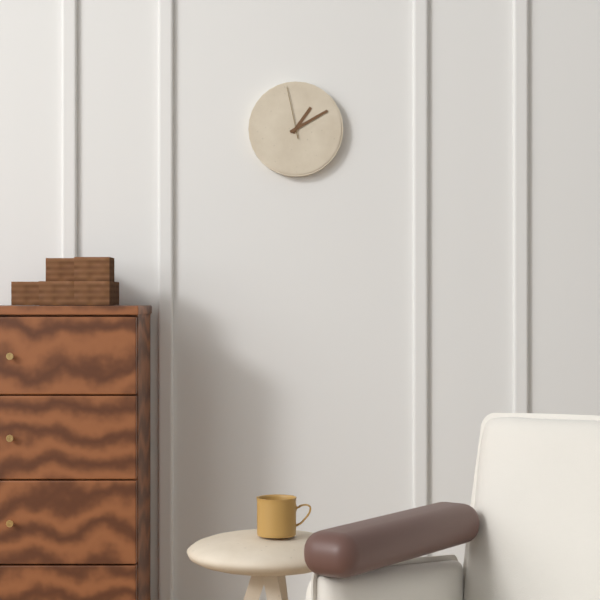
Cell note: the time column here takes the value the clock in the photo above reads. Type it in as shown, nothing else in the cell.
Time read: 1:10:58
